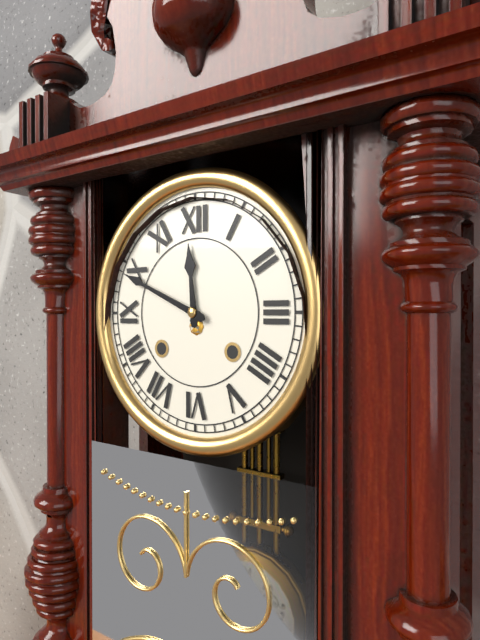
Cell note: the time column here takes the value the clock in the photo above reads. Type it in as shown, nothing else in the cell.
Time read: 11:49
